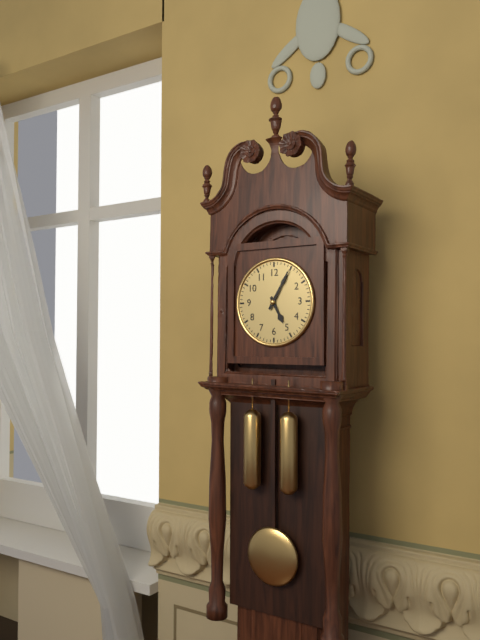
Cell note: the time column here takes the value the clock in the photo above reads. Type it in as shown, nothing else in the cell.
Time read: 5:05
